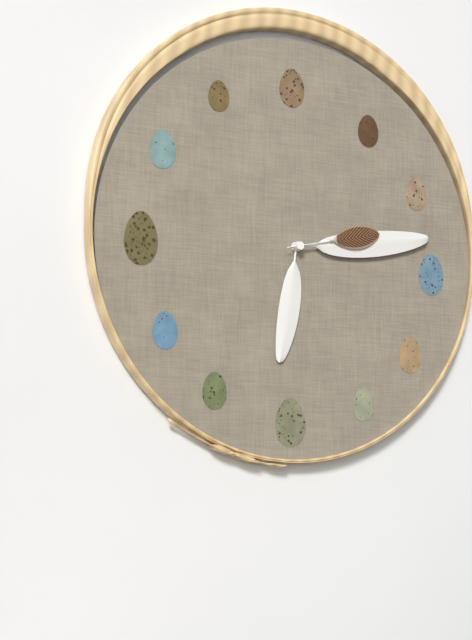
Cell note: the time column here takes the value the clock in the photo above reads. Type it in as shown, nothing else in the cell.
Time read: 6:14:13
